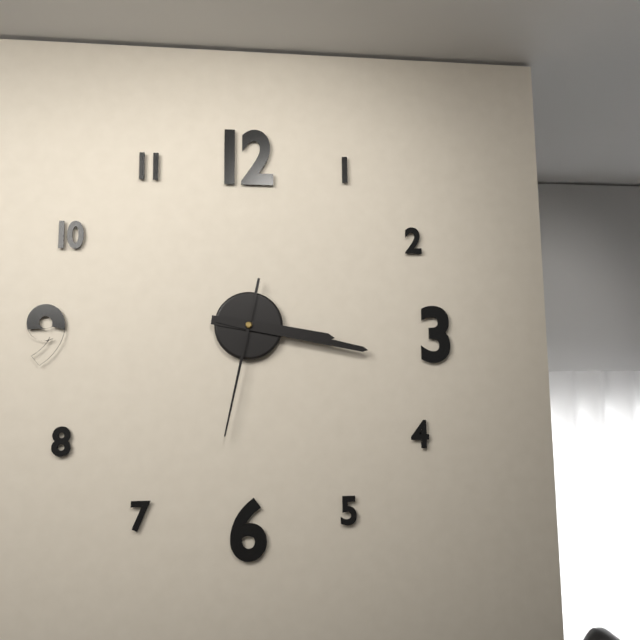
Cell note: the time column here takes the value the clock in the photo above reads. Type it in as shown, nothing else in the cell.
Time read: 3:17:32
